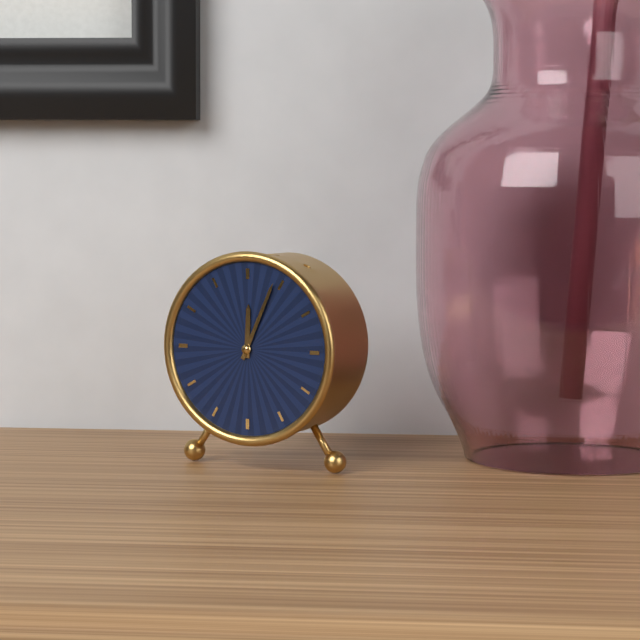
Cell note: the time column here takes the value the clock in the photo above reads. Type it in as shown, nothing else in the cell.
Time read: 12:04
